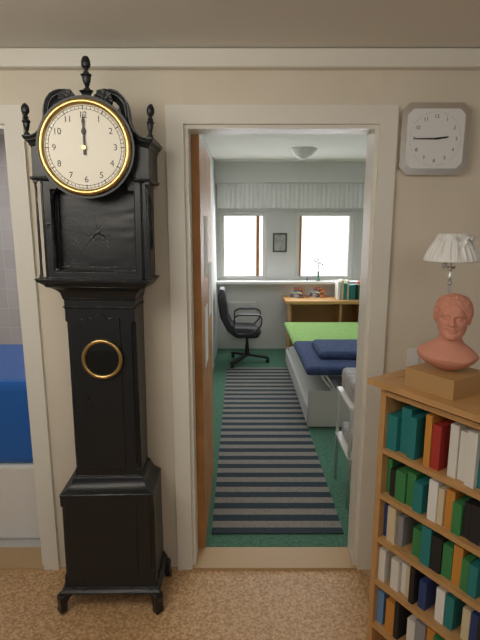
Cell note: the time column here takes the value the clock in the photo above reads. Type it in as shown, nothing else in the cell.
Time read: 12:00
